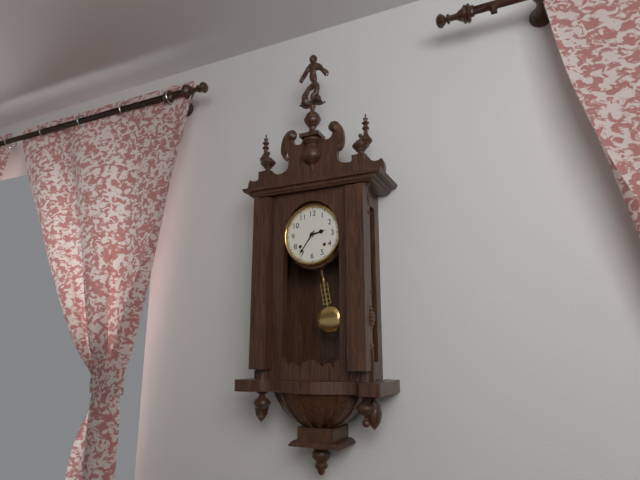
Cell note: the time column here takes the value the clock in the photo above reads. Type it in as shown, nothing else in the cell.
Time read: 2:36
